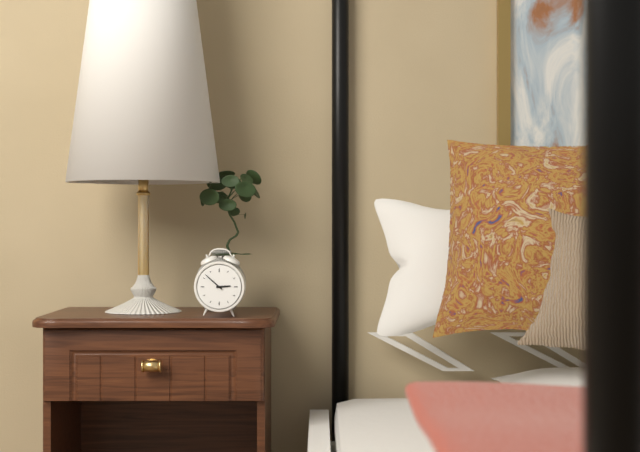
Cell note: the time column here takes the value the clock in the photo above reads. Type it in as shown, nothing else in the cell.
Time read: 2:52
